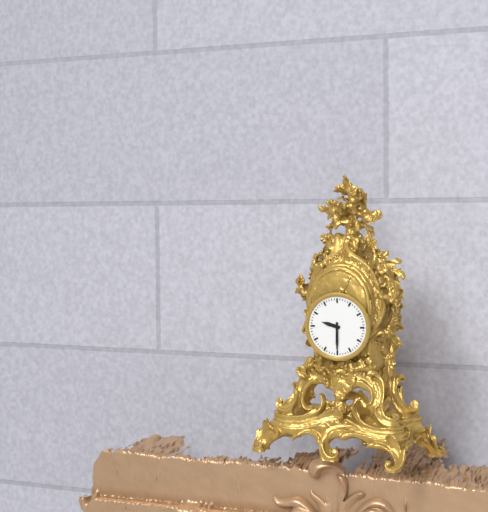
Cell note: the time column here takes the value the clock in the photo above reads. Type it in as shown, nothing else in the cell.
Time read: 9:30
